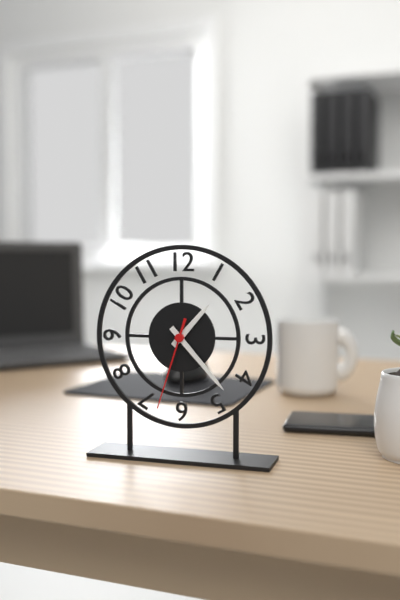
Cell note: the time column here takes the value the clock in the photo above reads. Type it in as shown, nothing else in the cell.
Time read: 1:23:33
